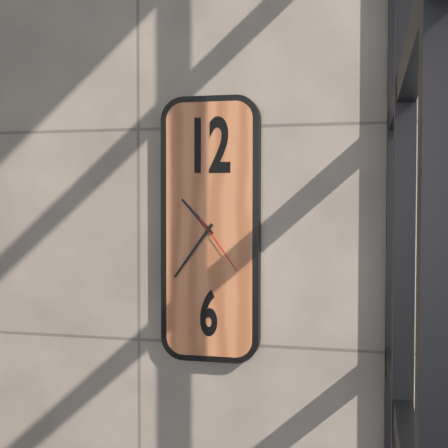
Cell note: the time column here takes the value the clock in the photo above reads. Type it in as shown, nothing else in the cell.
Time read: 10:36:24
